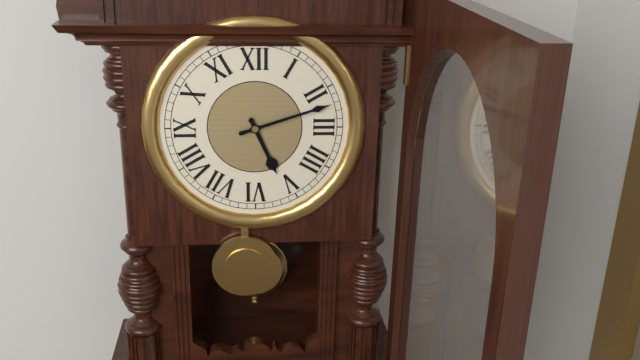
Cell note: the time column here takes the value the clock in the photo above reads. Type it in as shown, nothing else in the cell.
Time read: 5:12
